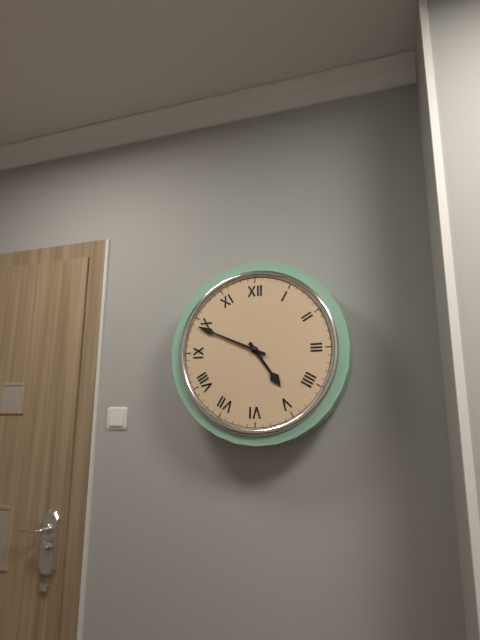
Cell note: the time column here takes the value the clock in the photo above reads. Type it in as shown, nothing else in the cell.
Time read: 4:49
